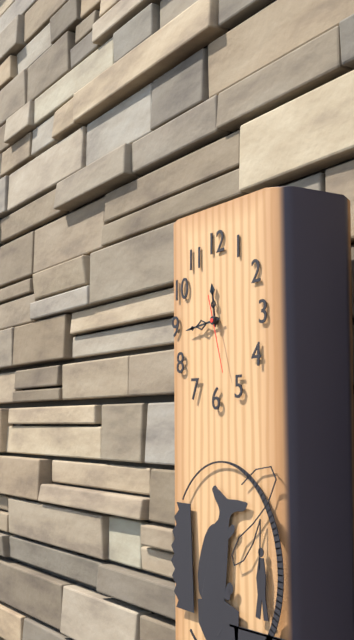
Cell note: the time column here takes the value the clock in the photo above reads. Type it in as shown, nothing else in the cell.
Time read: 11:44:27
